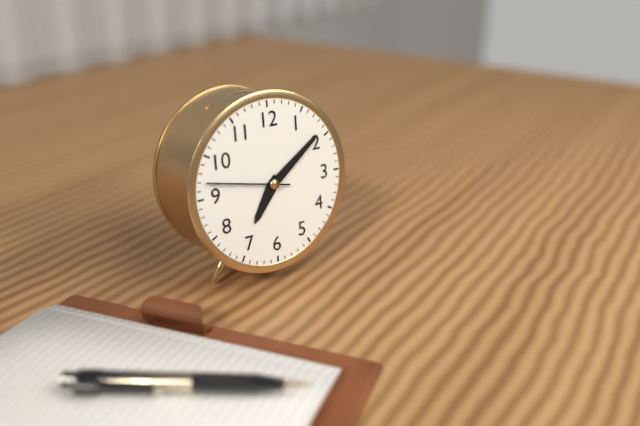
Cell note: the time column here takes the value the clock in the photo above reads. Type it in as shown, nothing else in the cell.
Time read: 7:09:47
